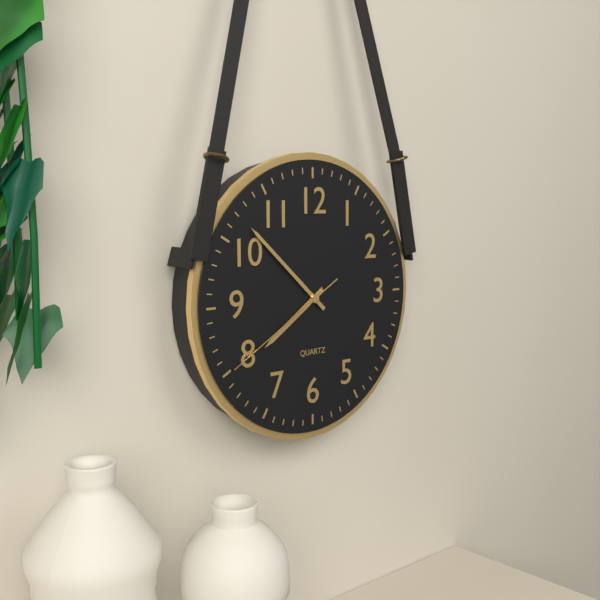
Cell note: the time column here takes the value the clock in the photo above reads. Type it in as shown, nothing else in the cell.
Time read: 7:52:40
